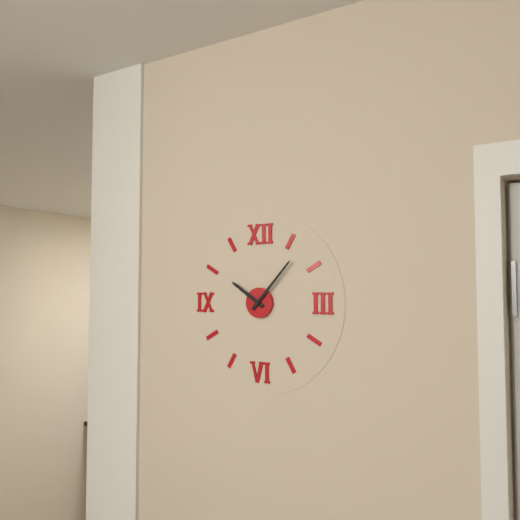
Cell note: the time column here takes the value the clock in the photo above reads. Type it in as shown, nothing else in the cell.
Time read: 10:07
